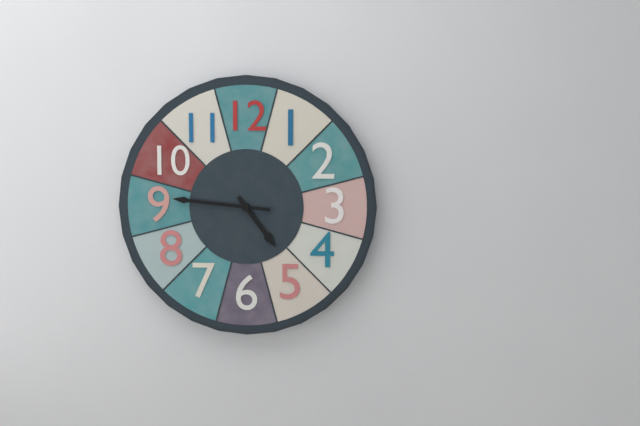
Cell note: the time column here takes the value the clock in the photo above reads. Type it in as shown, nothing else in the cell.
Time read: 4:46
